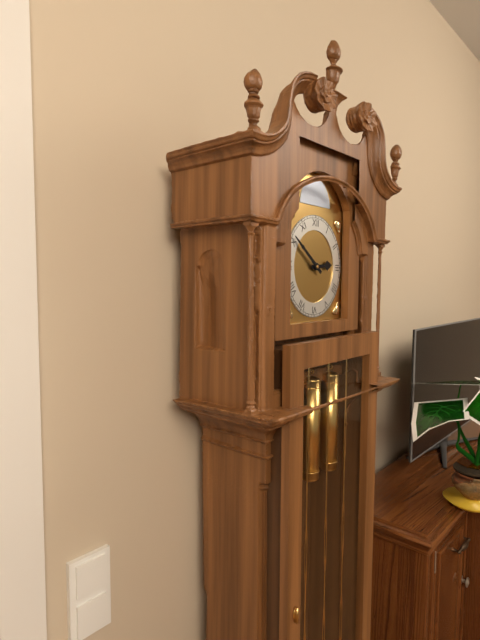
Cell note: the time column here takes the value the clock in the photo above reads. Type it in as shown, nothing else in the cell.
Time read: 2:51
